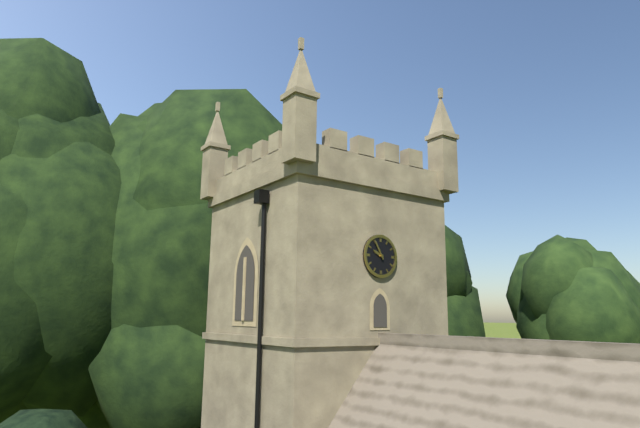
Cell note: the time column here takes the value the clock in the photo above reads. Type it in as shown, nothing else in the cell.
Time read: 9:55
